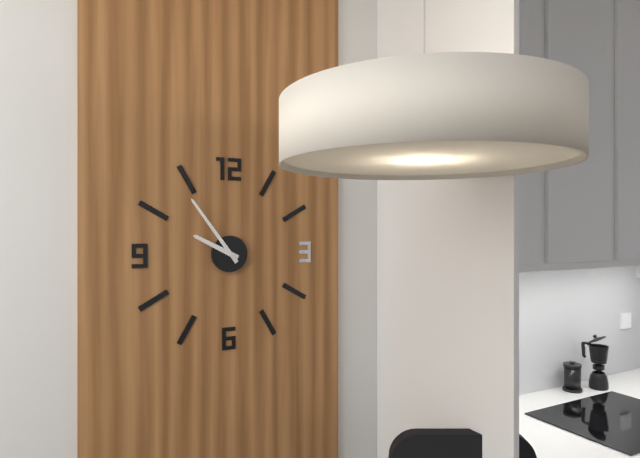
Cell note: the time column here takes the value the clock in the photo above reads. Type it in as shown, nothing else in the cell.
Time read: 9:54
